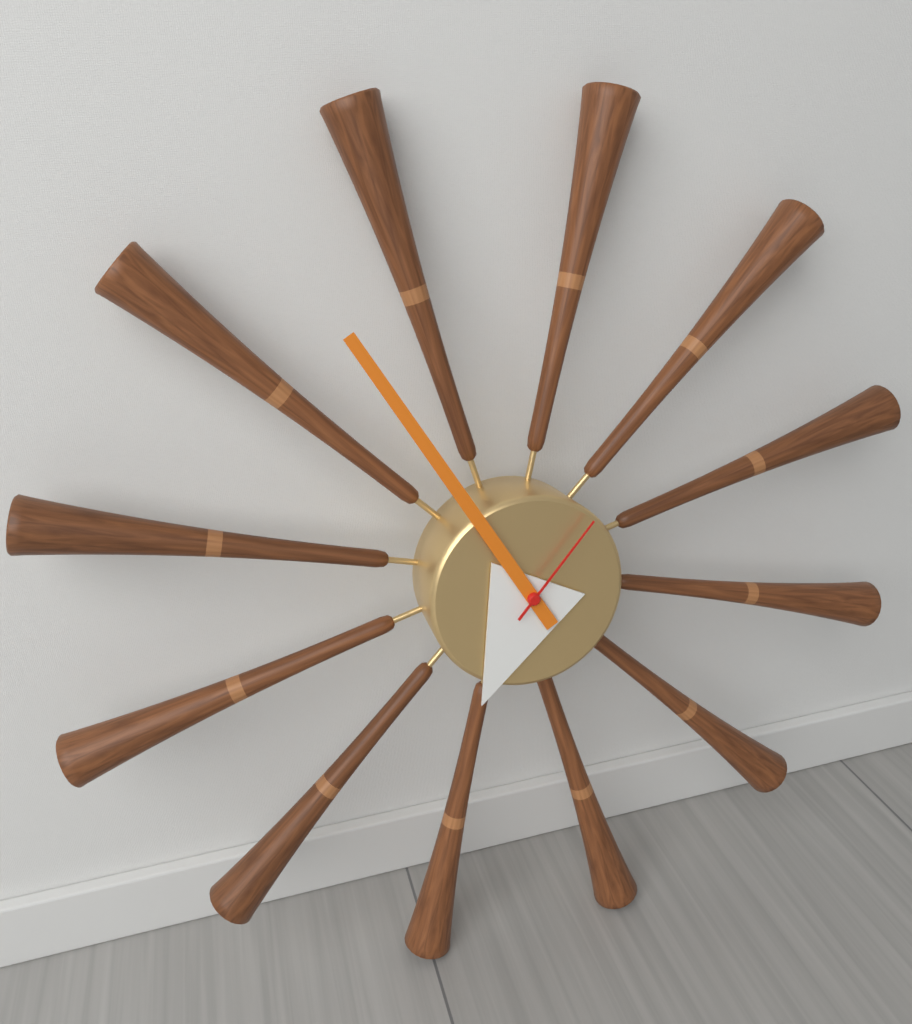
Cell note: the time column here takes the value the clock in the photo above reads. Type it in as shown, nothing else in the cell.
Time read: 6:55:07
